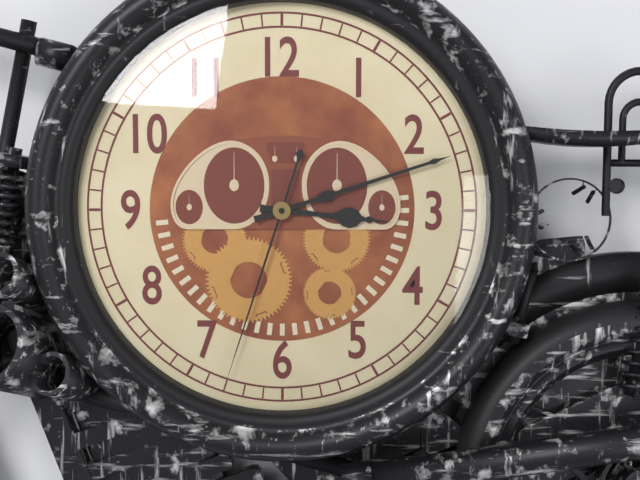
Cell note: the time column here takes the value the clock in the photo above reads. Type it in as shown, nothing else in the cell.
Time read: 3:12:33
